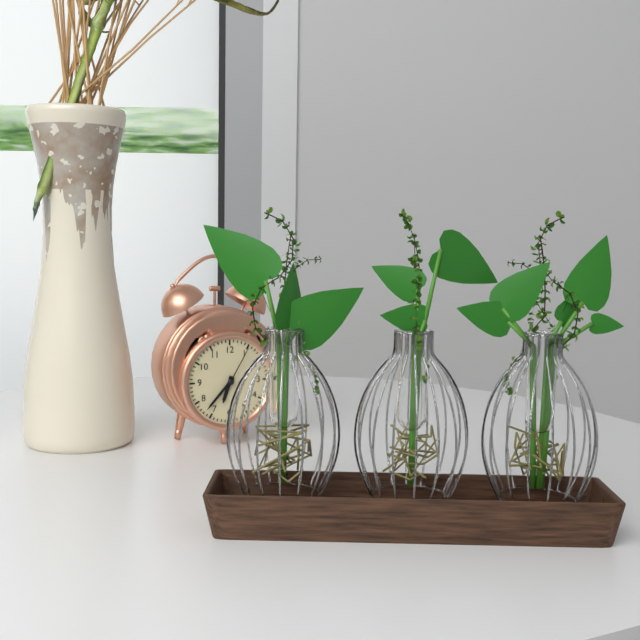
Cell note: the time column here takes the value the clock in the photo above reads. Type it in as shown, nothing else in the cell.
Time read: 6:37
